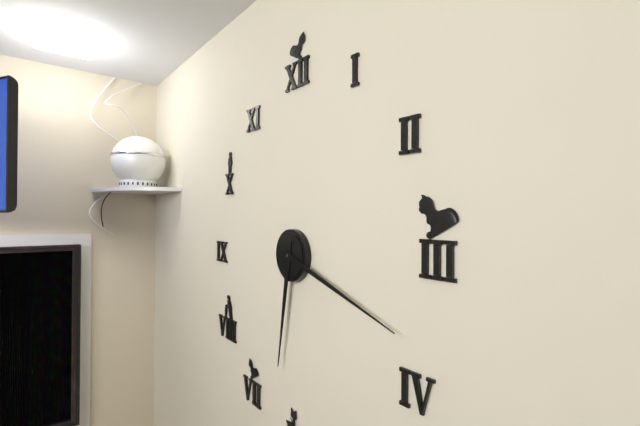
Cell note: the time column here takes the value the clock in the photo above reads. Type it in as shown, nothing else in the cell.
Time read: 6:18
